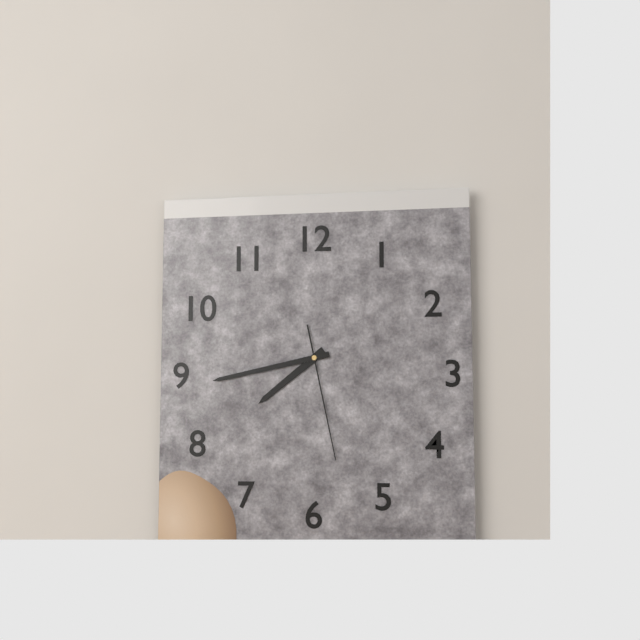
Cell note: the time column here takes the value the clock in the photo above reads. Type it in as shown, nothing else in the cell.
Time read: 7:43:28
